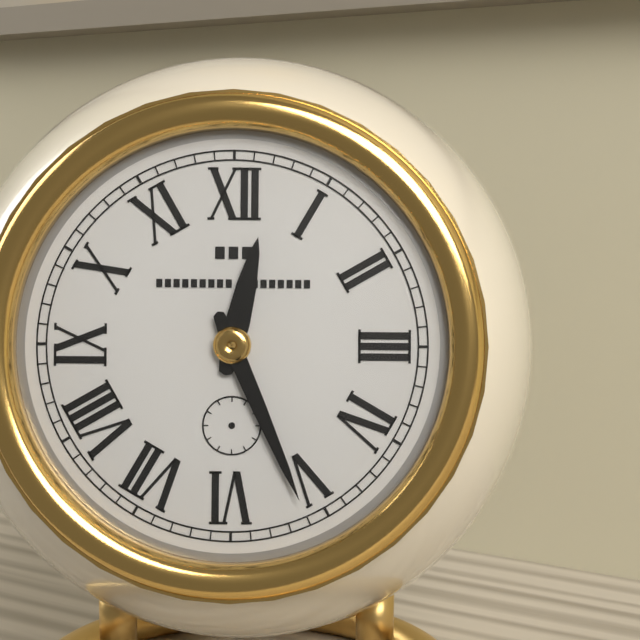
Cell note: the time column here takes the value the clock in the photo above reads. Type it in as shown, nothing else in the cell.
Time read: 12:26
